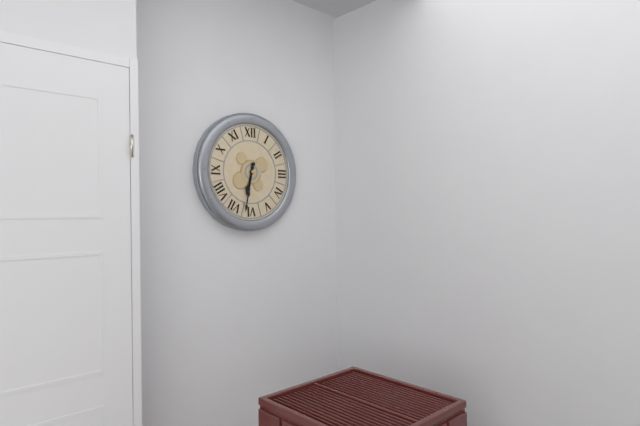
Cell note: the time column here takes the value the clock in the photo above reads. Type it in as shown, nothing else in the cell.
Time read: 6:32
